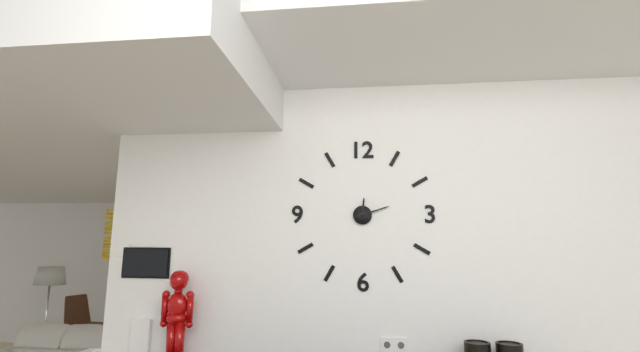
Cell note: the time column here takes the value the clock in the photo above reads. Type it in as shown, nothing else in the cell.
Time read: 12:12
